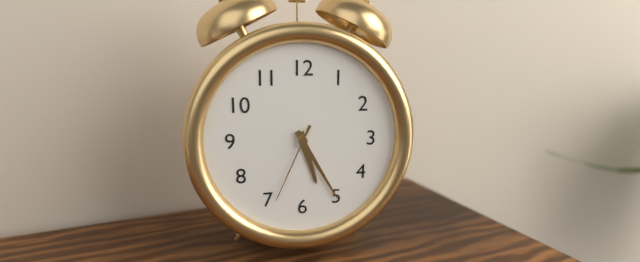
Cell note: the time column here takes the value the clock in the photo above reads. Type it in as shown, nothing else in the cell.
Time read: 5:25:34
